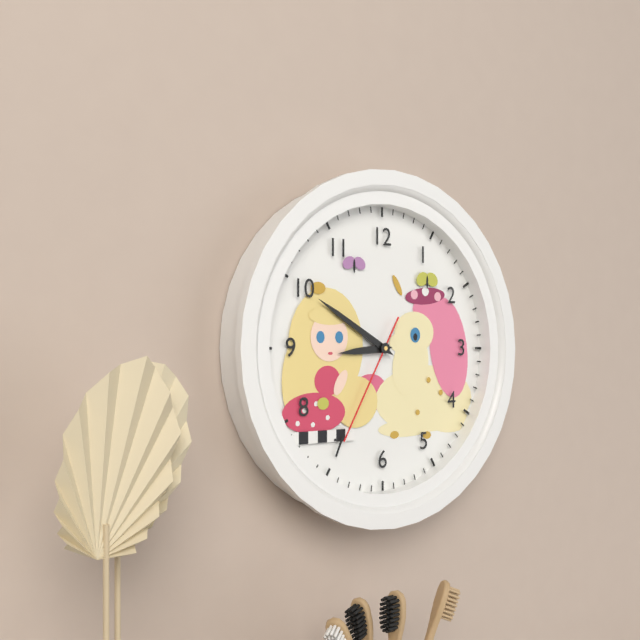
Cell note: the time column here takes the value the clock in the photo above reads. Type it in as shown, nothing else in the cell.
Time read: 8:50:35
